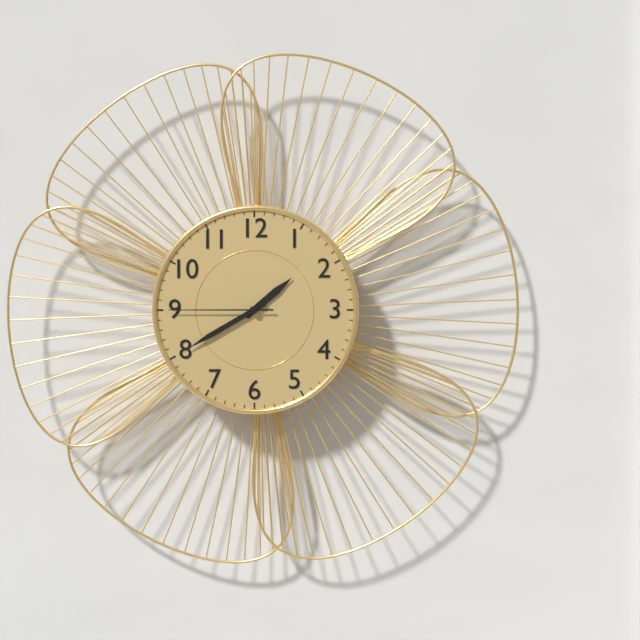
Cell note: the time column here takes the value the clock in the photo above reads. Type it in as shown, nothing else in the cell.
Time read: 1:40:45
